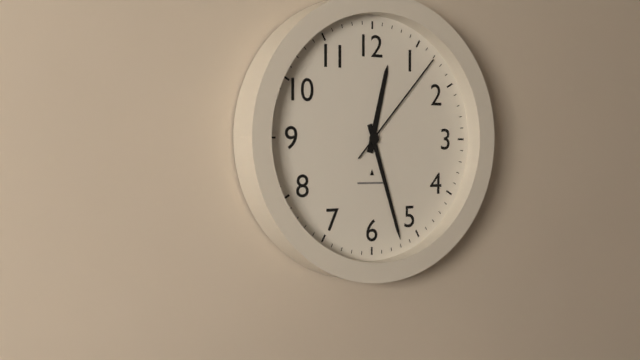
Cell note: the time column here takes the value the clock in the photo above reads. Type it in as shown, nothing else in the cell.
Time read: 12:27:07
